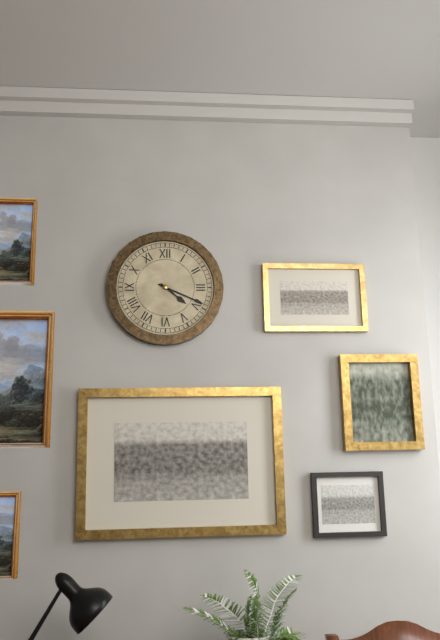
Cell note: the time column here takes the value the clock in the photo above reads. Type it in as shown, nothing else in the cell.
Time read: 4:19
